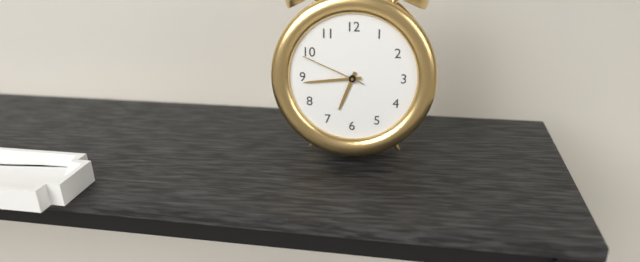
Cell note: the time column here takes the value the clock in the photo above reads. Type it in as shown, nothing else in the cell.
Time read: 6:44:49
